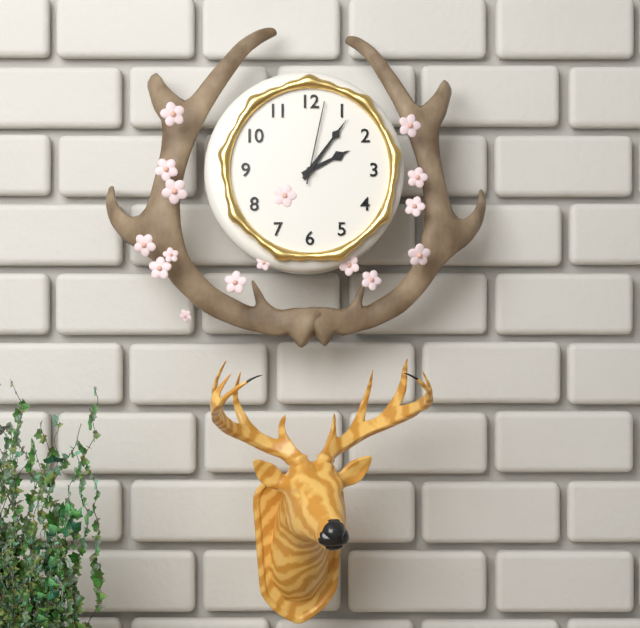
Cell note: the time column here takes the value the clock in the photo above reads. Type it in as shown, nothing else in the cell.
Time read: 2:06:02
